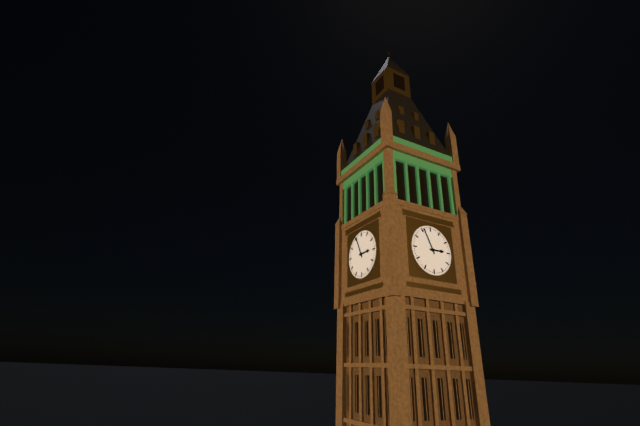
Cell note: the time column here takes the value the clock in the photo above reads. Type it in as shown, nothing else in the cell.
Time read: 2:56
